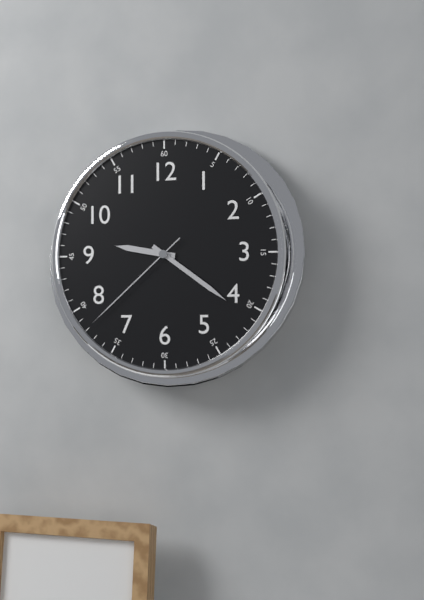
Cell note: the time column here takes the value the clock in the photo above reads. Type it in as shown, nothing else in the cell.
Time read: 9:21:38
